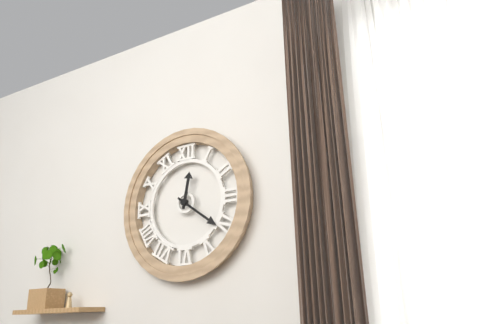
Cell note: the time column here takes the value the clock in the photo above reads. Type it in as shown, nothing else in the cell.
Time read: 12:21
